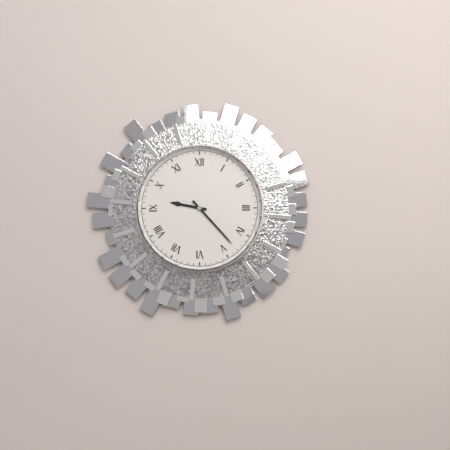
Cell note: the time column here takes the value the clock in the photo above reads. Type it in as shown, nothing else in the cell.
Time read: 9:23
